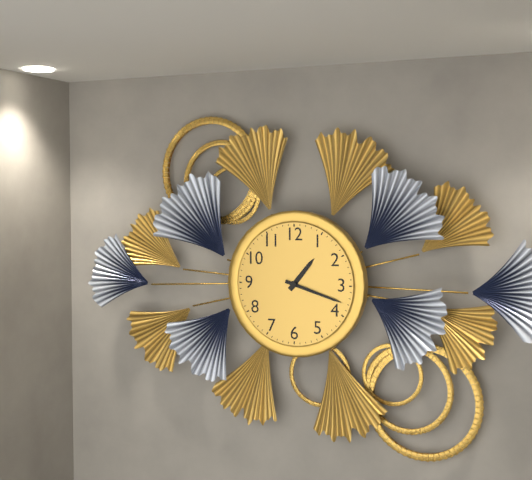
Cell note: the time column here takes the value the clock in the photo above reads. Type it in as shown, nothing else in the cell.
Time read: 1:18
